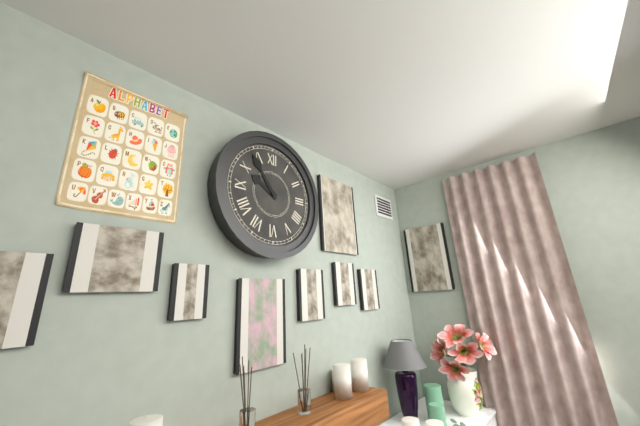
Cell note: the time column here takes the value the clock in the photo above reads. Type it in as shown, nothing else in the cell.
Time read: 9:54
